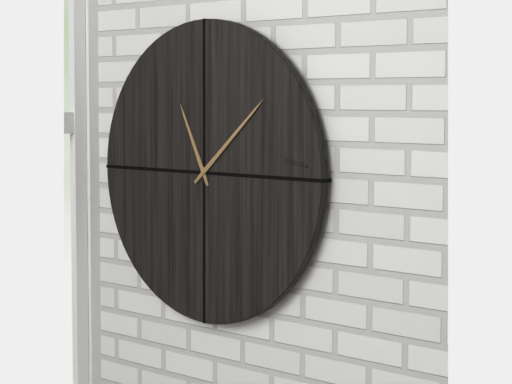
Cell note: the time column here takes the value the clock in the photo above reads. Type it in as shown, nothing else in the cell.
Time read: 11:08
